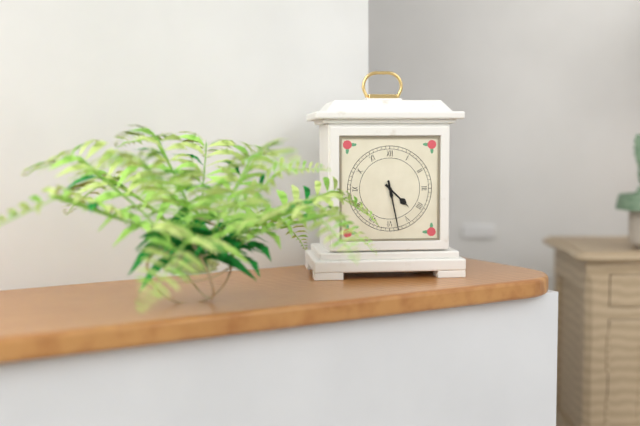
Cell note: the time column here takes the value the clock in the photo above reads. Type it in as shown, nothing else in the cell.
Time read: 4:28
